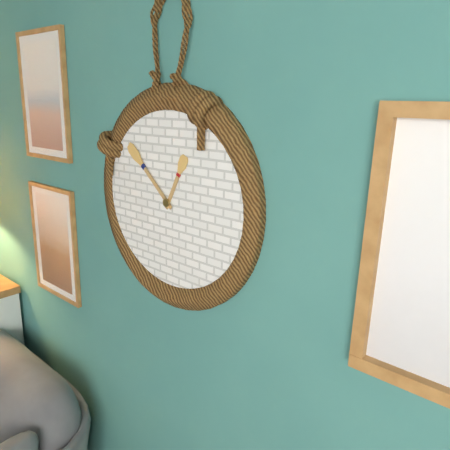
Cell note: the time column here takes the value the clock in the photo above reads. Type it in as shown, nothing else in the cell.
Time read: 12:52
